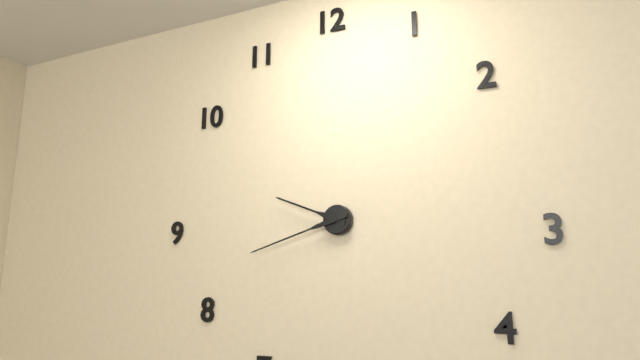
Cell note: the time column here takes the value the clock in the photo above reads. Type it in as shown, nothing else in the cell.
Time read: 9:42
